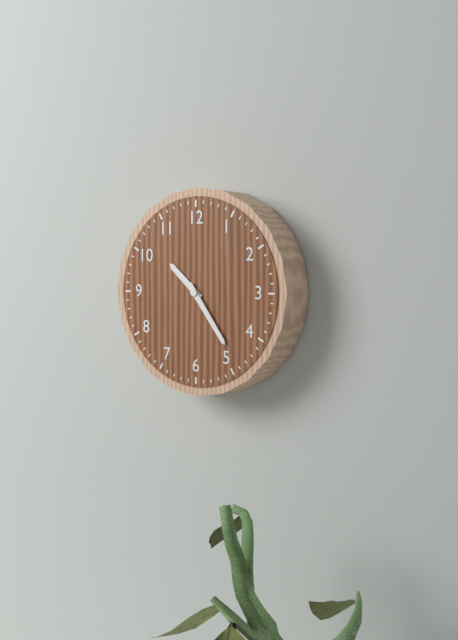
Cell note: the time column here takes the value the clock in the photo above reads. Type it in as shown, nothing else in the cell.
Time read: 10:24
